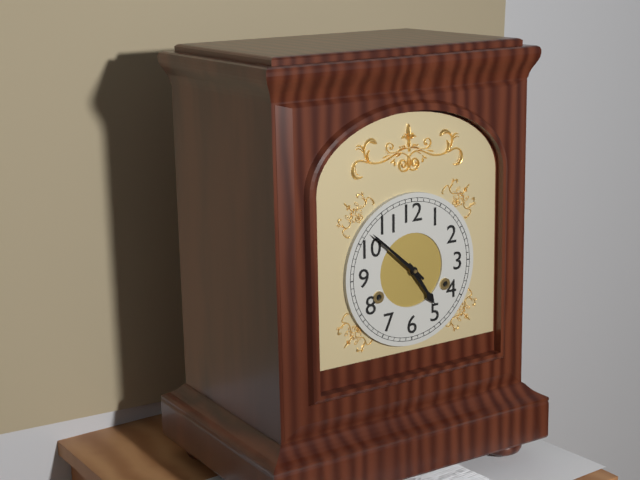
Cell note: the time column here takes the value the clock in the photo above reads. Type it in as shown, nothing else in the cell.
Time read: 4:52
